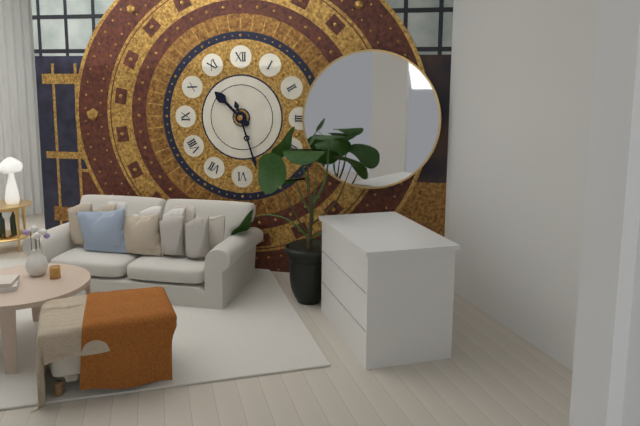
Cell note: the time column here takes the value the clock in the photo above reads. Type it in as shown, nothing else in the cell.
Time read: 10:27
